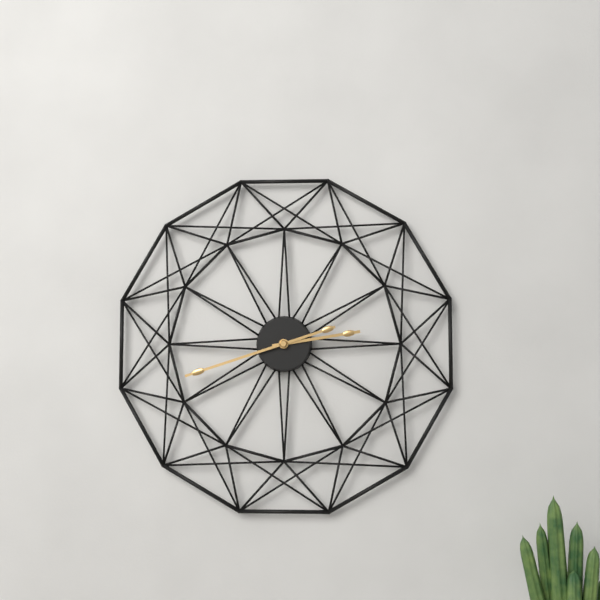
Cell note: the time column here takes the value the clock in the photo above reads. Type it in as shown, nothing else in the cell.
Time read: 2:42
